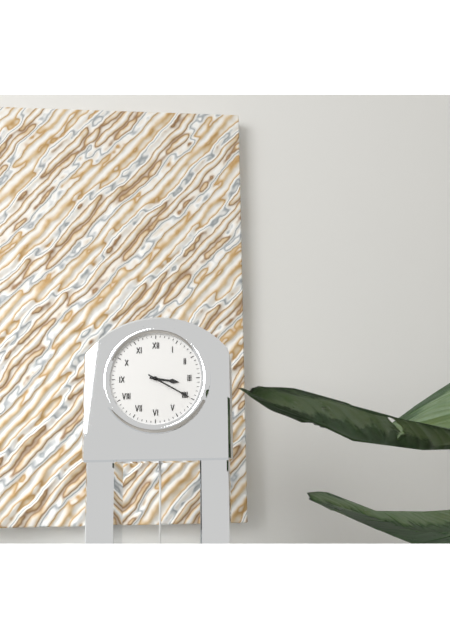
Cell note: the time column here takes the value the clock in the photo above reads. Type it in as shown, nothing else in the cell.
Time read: 3:20
